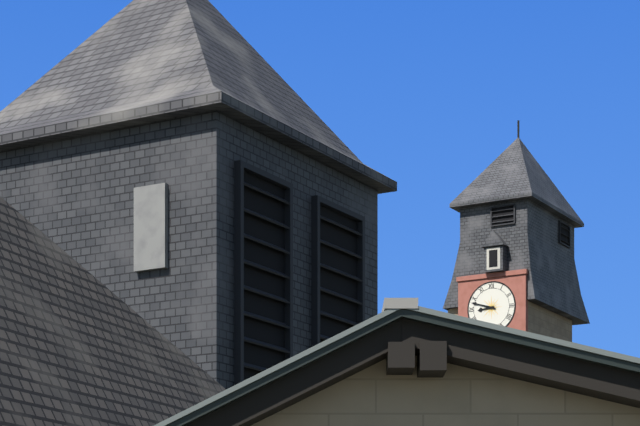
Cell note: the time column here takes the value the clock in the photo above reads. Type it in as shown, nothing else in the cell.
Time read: 8:48
